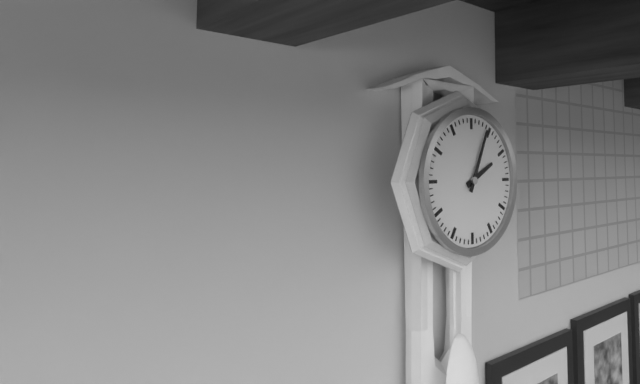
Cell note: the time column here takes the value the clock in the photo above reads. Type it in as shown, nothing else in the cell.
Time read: 2:04
